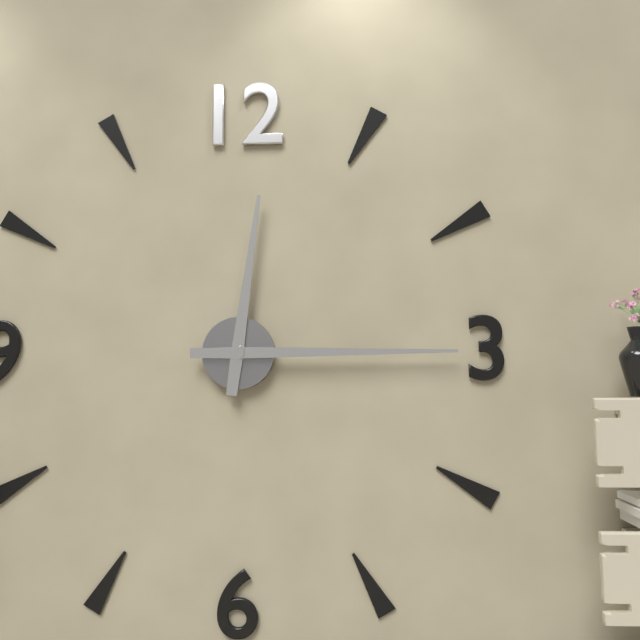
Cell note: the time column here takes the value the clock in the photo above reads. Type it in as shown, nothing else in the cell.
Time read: 12:15
